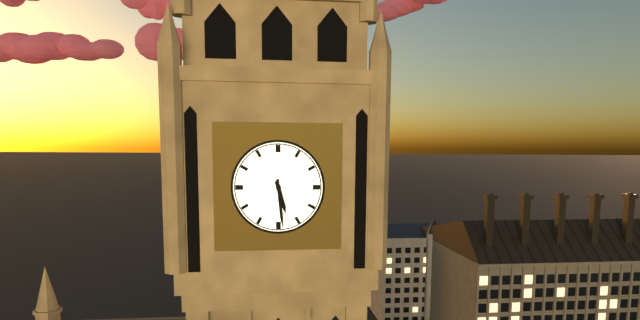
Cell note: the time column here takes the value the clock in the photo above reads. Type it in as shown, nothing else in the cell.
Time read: 5:29
